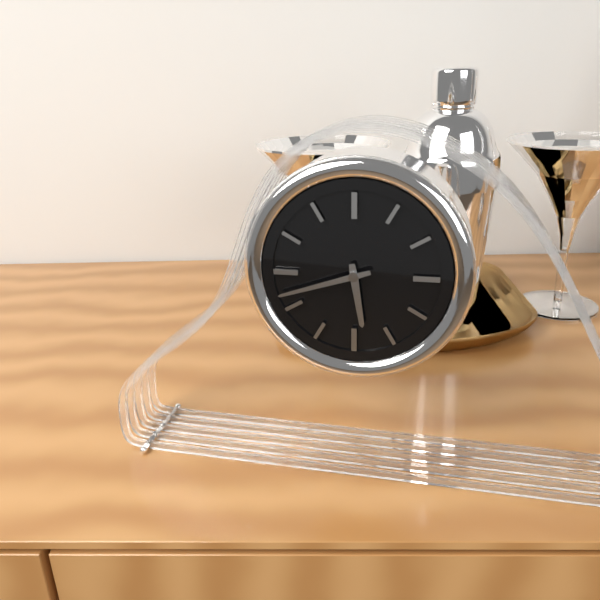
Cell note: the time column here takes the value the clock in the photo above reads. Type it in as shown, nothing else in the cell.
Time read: 5:42
